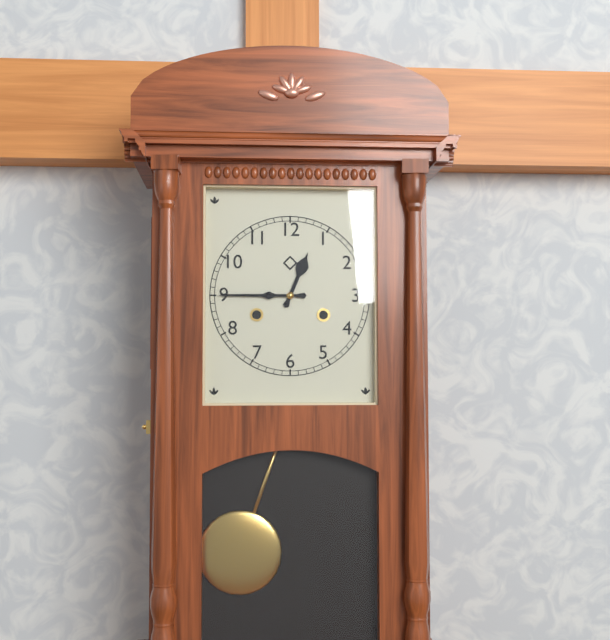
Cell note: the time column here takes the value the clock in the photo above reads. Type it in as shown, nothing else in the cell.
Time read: 12:45
